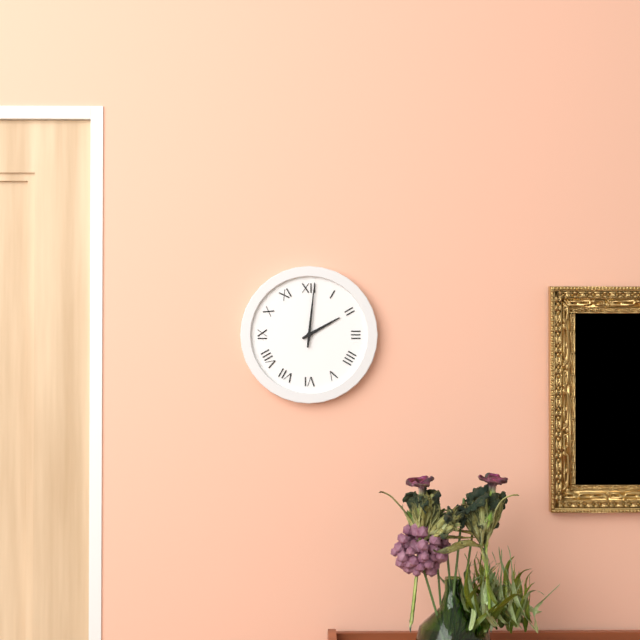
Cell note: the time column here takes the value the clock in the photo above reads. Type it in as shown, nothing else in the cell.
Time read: 2:01
